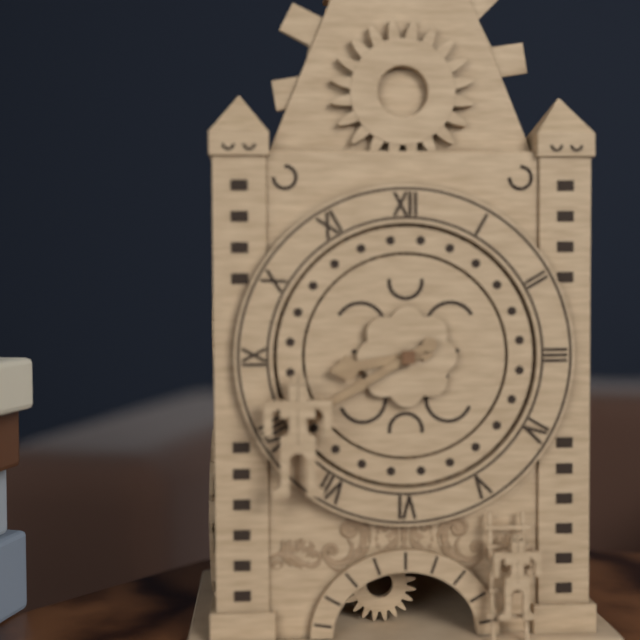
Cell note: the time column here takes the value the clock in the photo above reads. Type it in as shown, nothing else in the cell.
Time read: 8:40
